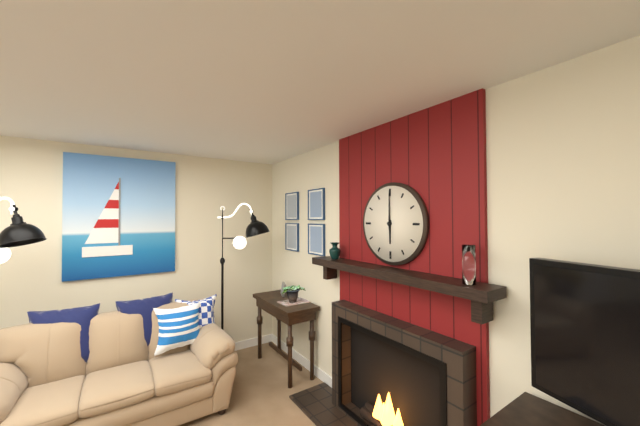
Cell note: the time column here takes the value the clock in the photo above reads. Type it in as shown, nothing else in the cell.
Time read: 6:00
